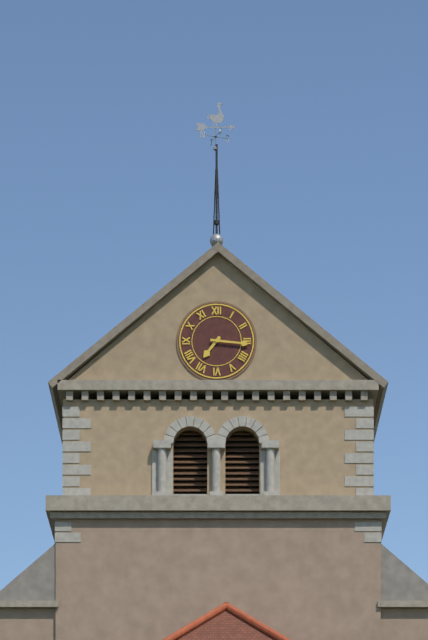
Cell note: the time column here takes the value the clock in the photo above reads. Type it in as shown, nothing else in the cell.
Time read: 7:16
